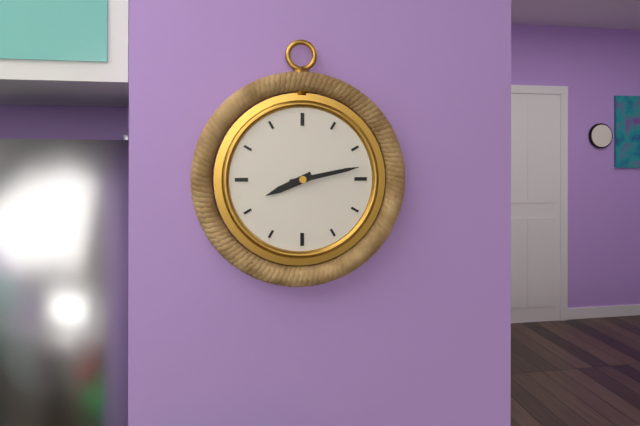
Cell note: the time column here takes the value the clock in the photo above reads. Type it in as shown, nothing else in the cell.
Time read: 8:13
